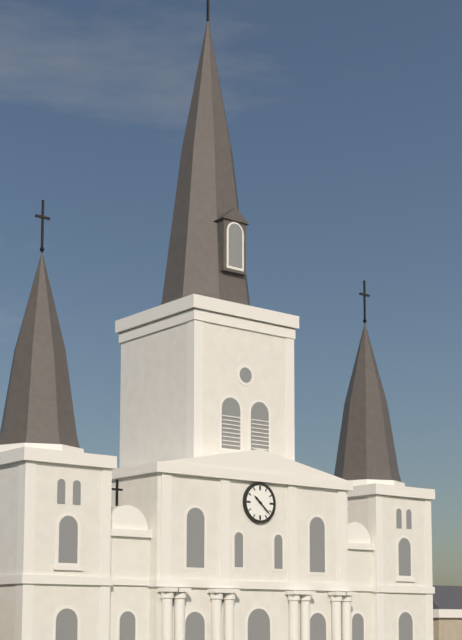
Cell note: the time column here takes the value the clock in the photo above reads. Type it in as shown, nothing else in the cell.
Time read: 10:22
